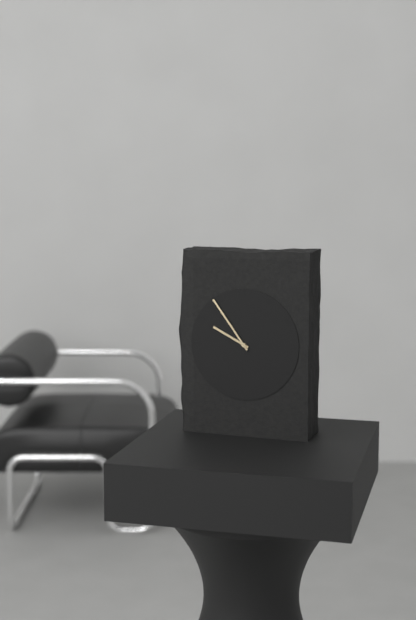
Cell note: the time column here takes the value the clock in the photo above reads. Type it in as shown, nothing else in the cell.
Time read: 9:54
